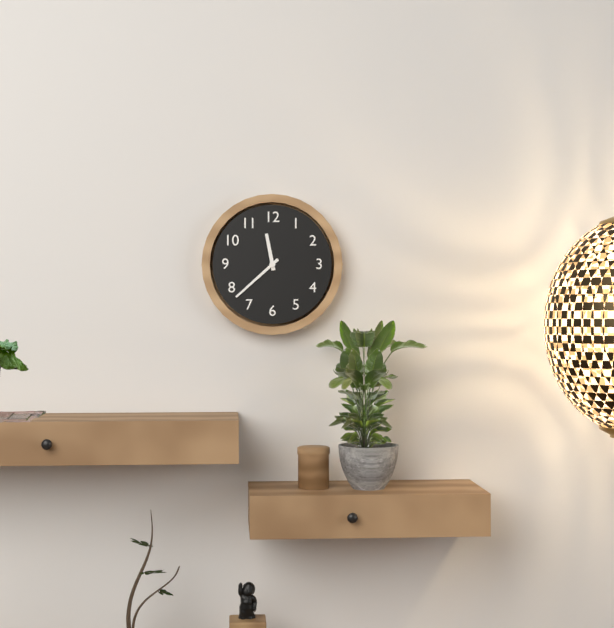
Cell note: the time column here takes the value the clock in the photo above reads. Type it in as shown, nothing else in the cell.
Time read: 11:38
